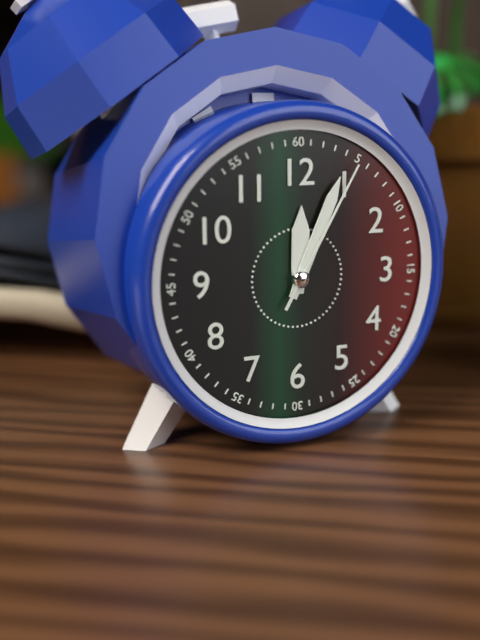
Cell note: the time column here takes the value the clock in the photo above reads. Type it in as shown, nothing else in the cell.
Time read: 12:04:05
